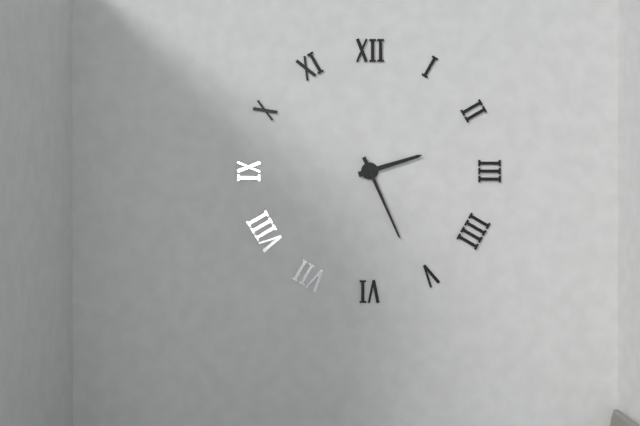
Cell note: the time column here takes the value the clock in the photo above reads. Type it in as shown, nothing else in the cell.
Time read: 2:26
